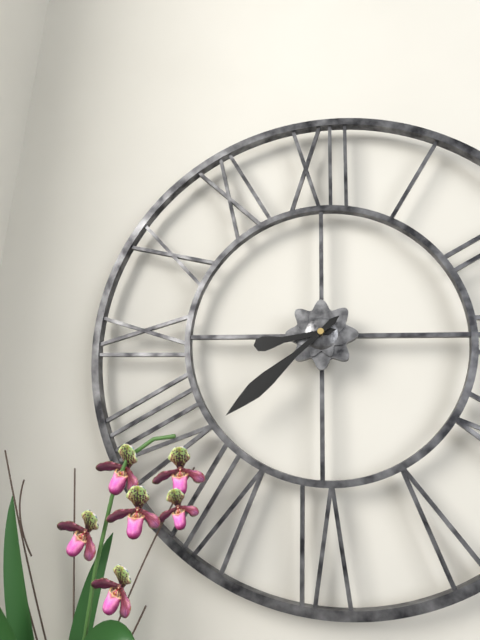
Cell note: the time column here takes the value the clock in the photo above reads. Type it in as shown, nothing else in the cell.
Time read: 8:38
